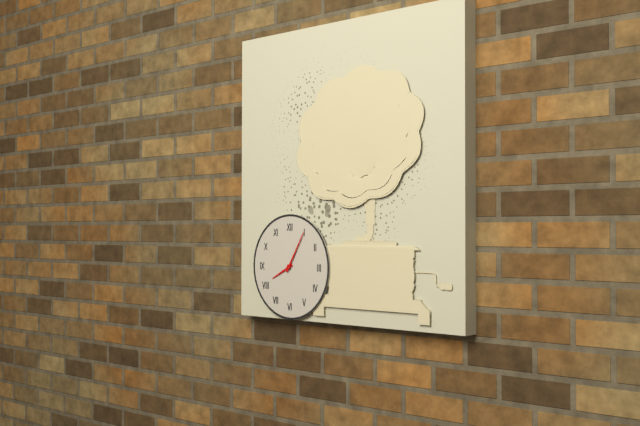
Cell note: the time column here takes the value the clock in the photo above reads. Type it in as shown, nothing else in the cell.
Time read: 8:05
